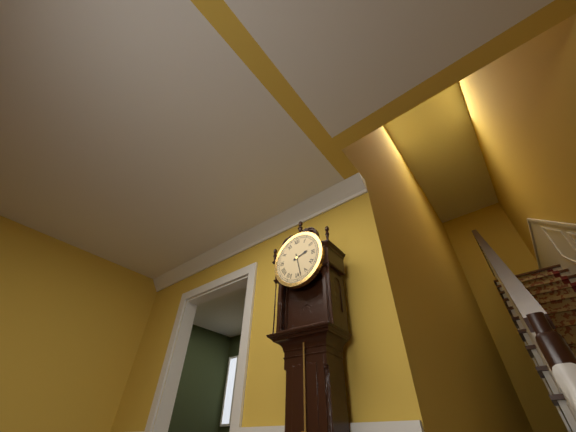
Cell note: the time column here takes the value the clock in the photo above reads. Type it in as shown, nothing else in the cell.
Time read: 2:28
